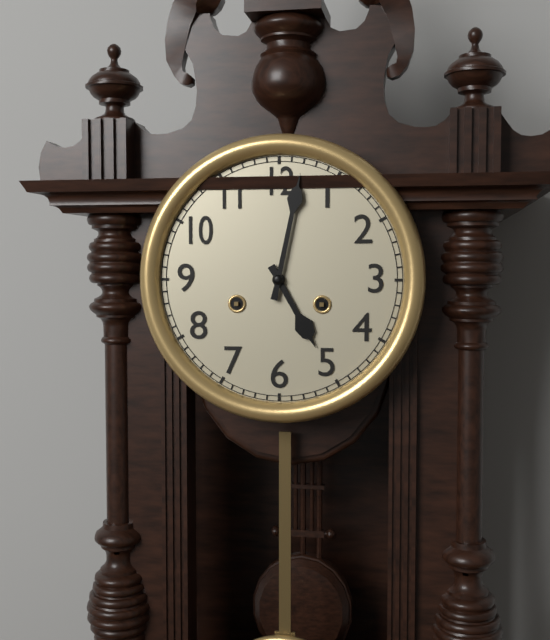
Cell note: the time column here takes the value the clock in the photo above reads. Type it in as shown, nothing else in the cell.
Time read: 5:02
